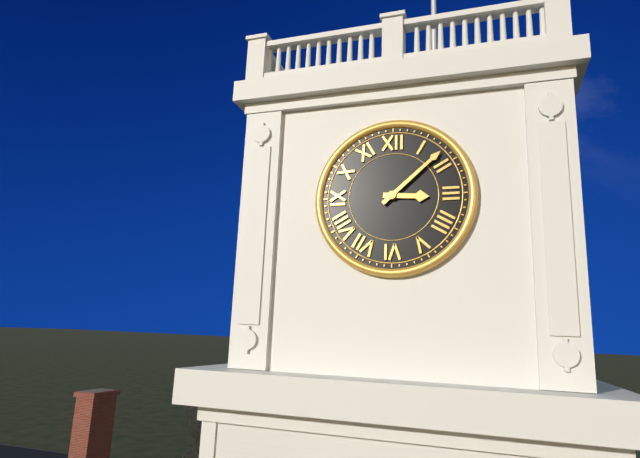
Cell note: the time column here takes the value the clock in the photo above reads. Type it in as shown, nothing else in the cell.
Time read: 3:08
